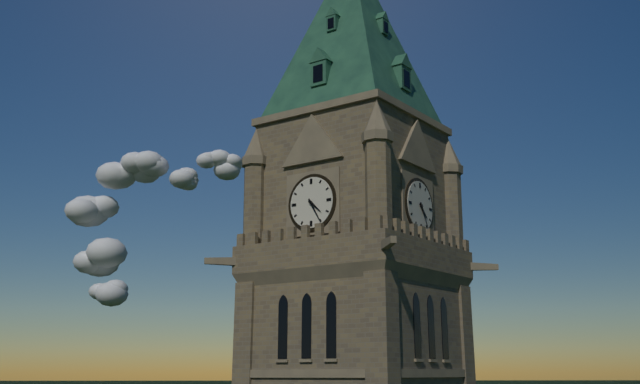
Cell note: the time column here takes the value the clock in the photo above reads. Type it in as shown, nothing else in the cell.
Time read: 4:25
